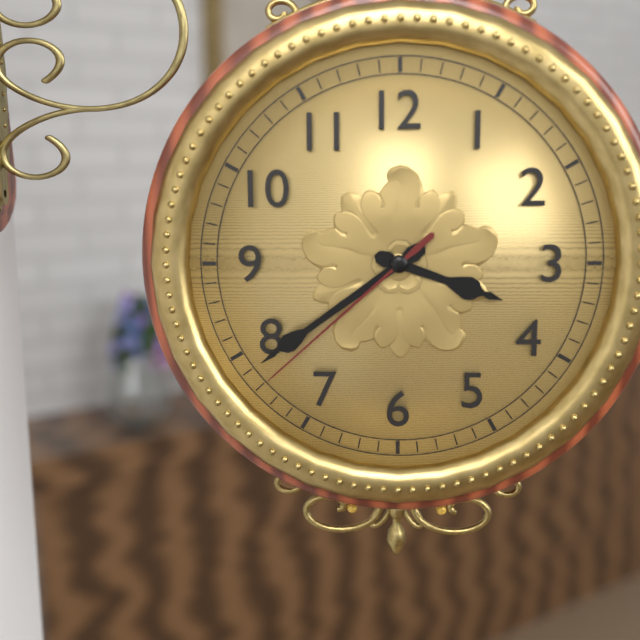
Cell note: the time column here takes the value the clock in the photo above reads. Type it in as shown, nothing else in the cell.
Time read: 3:39:38
